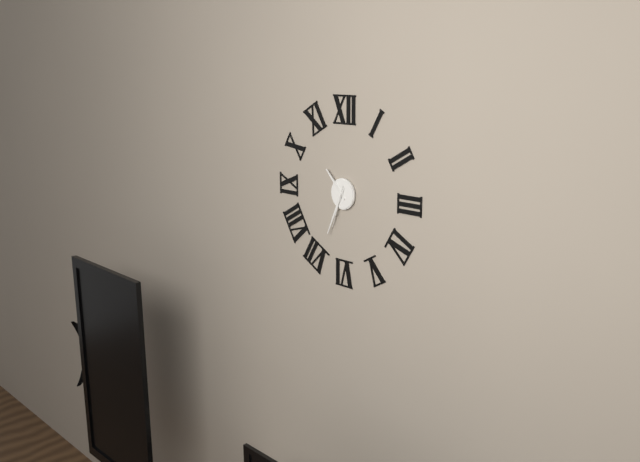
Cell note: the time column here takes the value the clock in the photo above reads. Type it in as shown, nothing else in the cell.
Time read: 10:34
